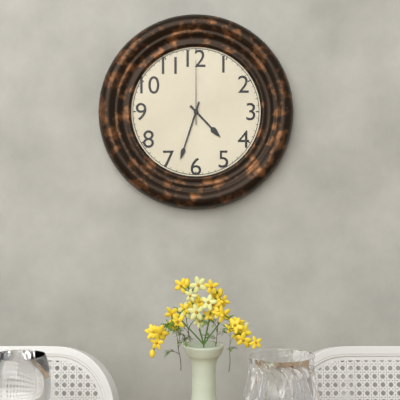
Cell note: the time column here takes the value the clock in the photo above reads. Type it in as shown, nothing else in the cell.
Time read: 4:33:00
